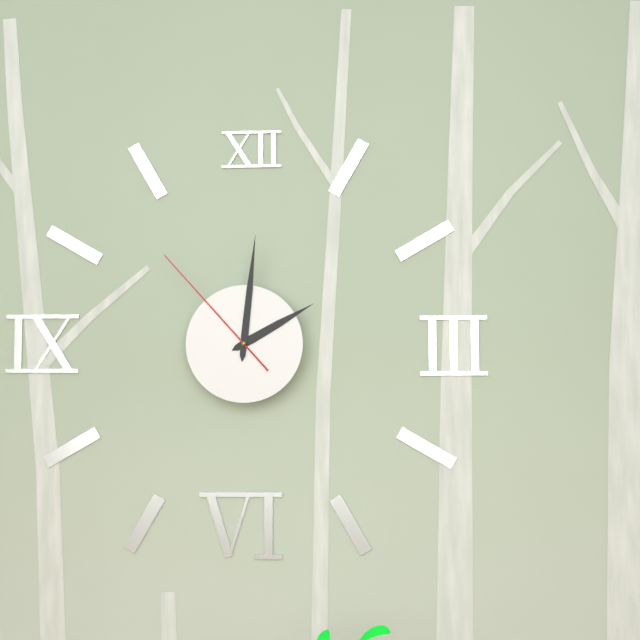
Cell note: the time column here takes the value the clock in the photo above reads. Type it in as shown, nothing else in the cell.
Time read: 2:01:53
